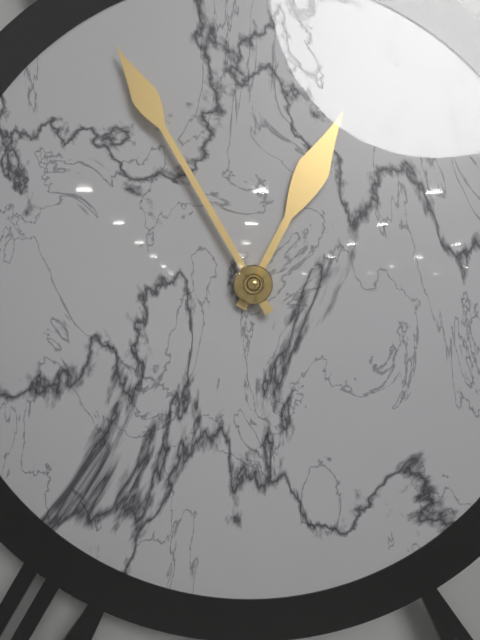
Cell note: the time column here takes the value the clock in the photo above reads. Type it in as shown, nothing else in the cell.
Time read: 12:55
